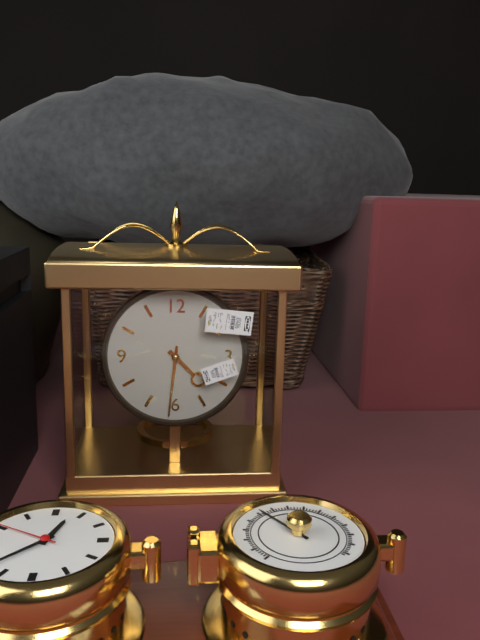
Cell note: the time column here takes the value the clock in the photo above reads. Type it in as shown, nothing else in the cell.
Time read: 4:31
